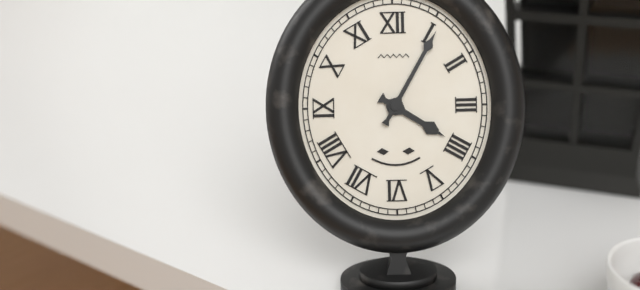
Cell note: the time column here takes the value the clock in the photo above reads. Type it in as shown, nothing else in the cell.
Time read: 4:05
